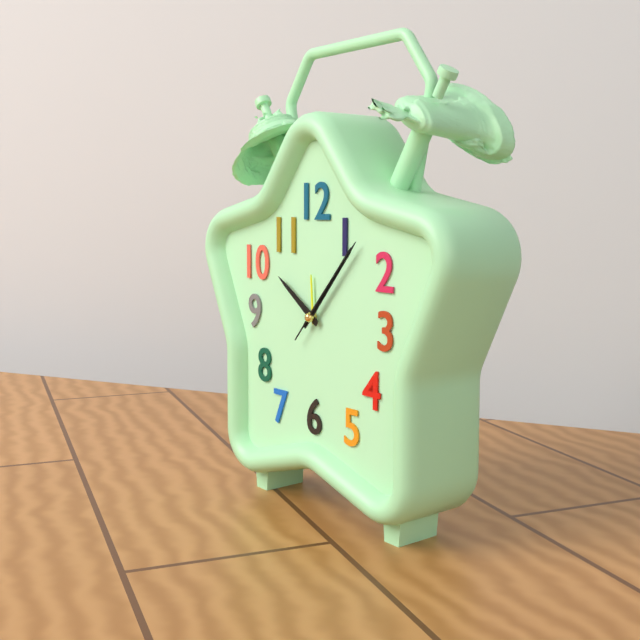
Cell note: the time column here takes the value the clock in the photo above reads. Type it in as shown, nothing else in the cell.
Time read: 10:07:07
